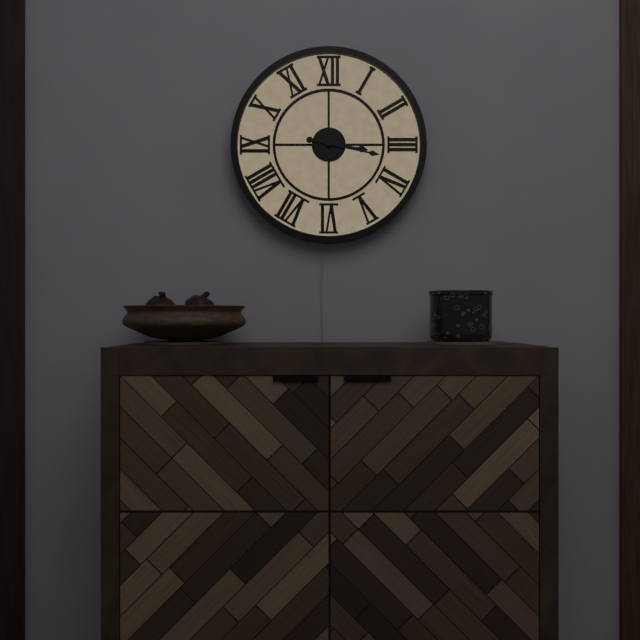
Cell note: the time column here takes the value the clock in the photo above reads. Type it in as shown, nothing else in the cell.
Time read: 3:17
